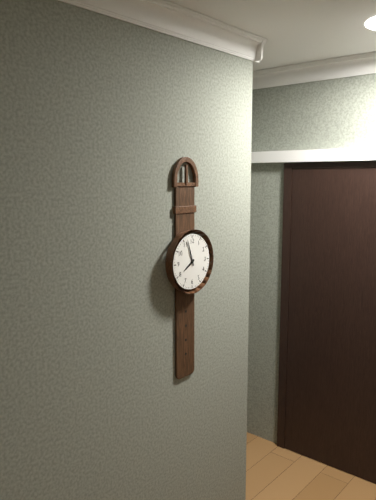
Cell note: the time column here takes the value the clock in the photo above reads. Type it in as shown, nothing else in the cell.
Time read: 7:57
